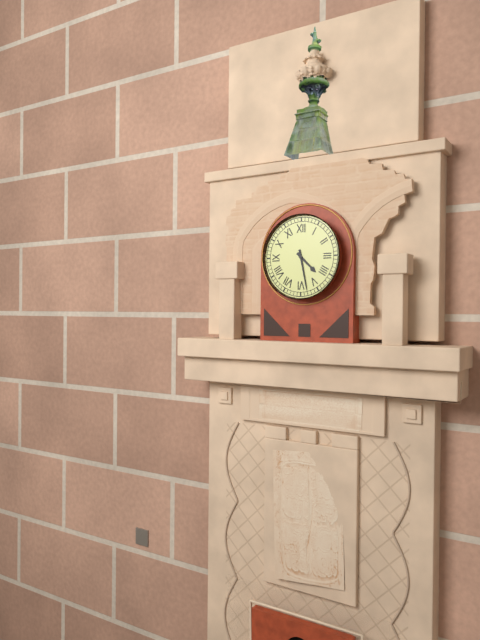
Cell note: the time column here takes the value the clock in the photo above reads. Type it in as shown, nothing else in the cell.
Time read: 4:28
